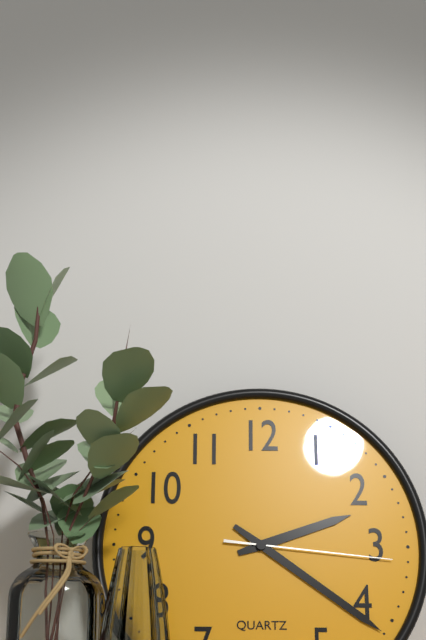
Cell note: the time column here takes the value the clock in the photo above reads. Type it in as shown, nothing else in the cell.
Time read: 2:21:16
